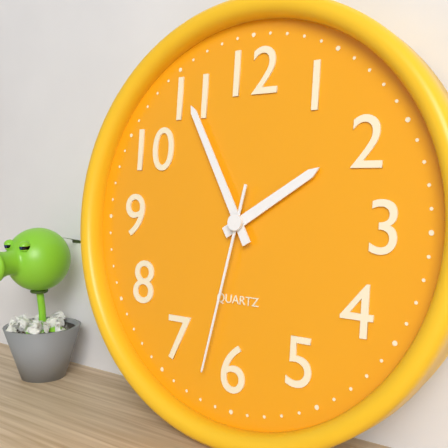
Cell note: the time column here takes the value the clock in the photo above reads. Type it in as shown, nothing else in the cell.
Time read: 1:55:32
